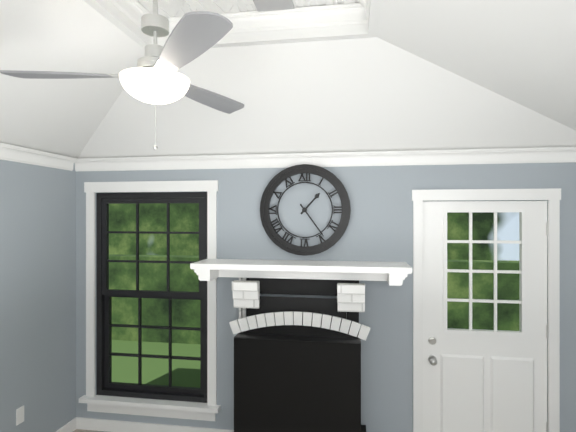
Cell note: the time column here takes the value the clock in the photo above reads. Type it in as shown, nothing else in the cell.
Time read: 1:24
